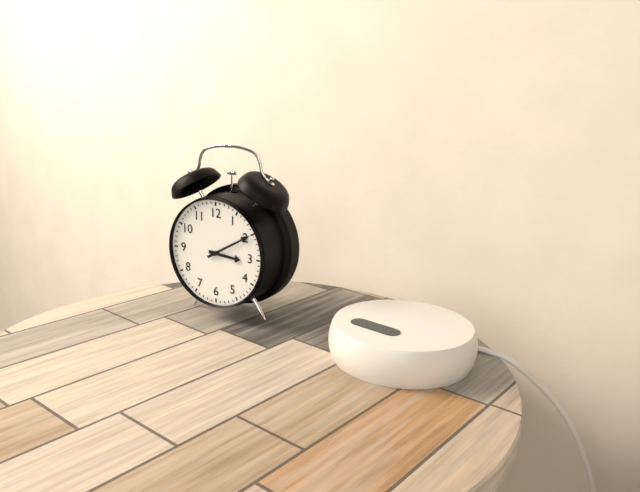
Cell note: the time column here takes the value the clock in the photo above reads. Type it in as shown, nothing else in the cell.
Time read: 3:10
